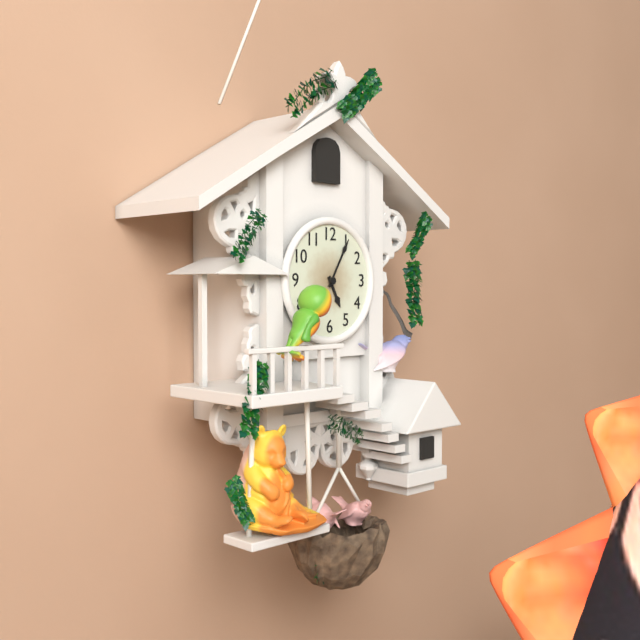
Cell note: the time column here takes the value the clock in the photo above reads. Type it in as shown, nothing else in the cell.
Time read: 5:05
